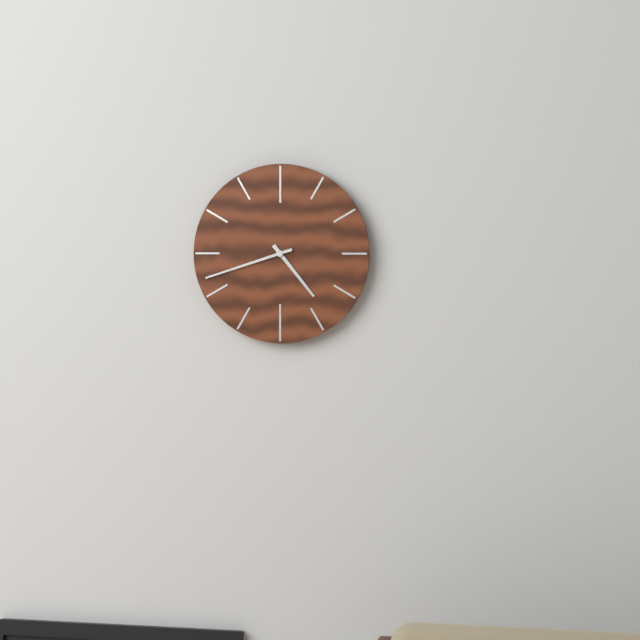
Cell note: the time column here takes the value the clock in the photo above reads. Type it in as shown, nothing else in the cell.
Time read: 4:42
